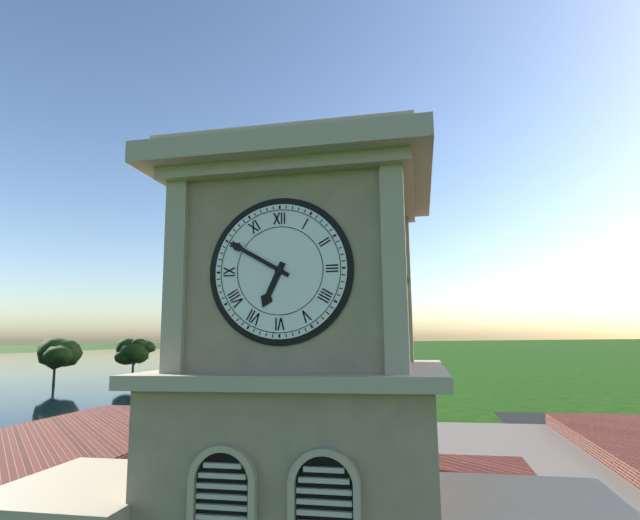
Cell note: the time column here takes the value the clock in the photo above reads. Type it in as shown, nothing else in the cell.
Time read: 6:50
